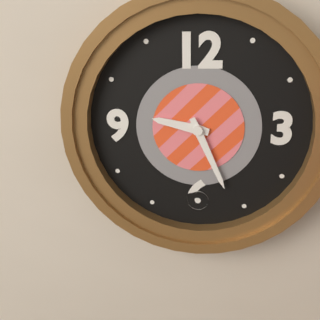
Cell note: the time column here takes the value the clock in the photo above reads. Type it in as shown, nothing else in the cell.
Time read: 9:26
